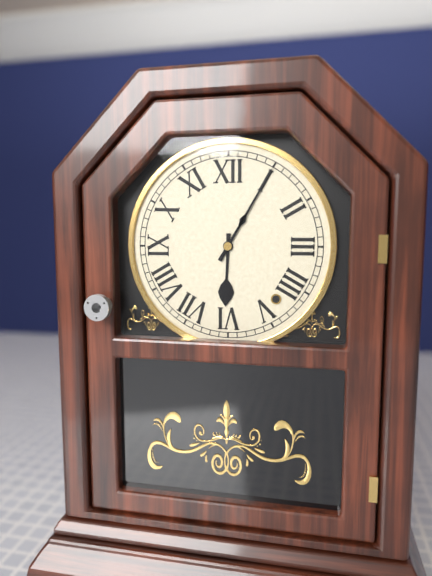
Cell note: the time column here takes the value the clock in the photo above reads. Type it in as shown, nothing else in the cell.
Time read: 6:05
